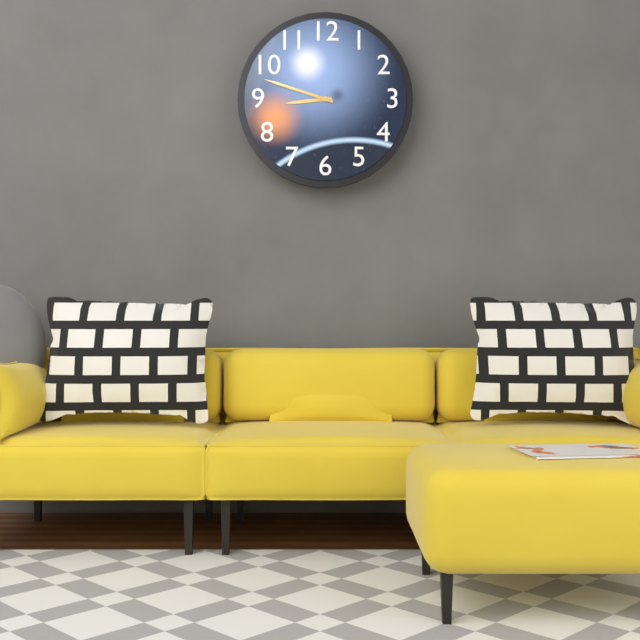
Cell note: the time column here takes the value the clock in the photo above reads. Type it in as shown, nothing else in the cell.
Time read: 8:48
